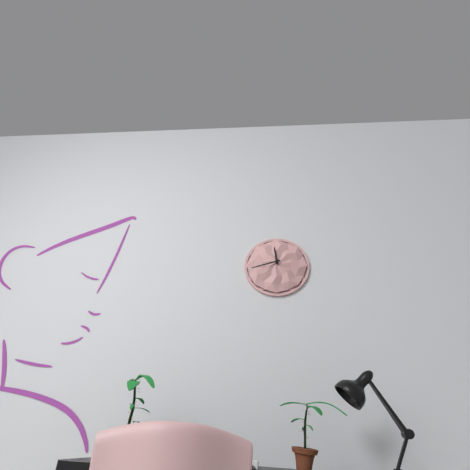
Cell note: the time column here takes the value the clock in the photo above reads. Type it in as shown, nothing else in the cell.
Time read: 11:42
